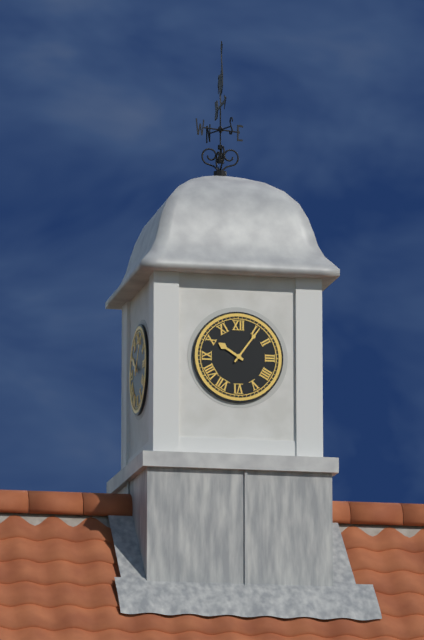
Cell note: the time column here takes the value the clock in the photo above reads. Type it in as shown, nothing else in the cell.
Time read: 10:06
